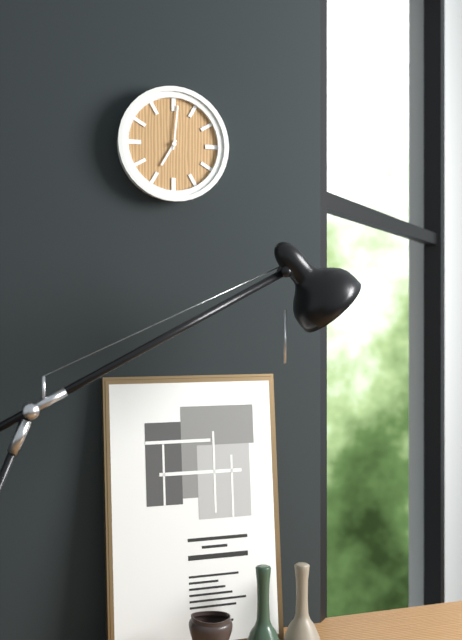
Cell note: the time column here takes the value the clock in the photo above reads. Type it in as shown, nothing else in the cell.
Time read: 7:01
